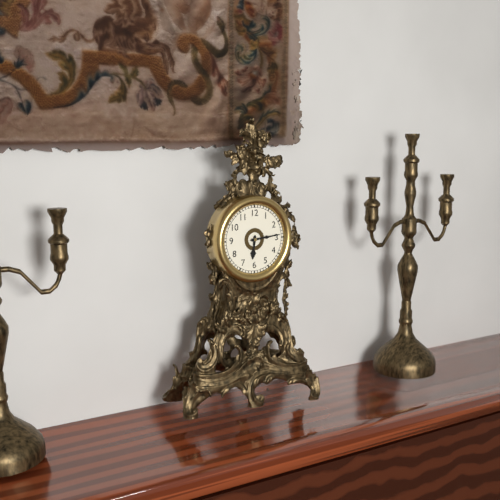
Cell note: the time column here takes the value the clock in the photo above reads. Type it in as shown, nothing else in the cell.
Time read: 6:14
